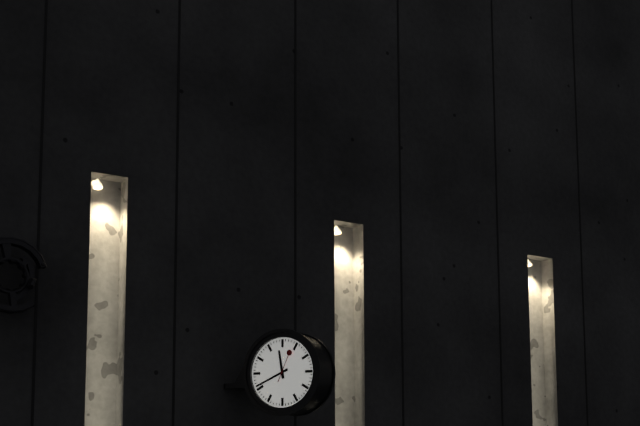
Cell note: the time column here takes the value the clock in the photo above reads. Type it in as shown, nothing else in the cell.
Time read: 11:41
